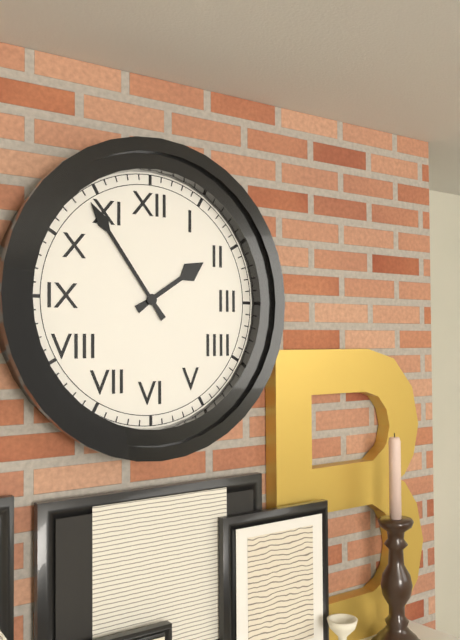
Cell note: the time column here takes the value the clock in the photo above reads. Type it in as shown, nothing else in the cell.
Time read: 1:54
